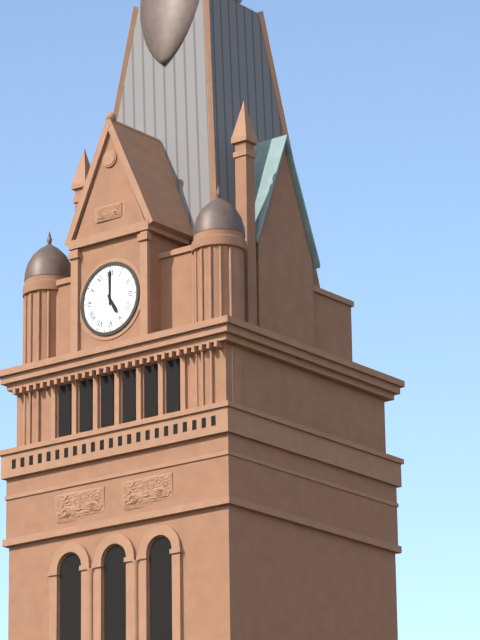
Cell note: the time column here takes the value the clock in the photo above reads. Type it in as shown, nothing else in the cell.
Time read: 5:00
